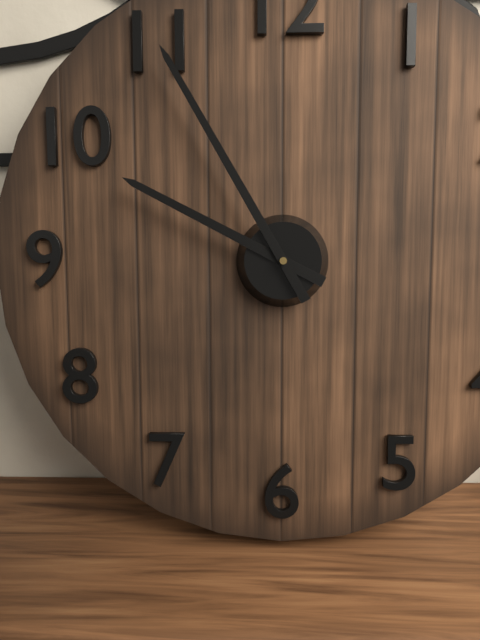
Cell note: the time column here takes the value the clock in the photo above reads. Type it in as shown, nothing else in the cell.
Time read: 9:55
